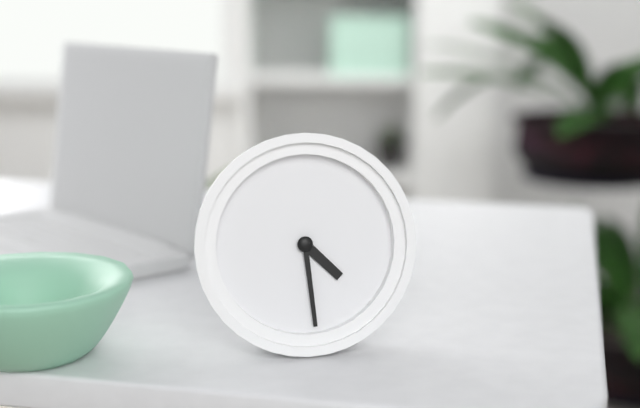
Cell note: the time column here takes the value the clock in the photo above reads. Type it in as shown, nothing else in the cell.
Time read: 4:29
